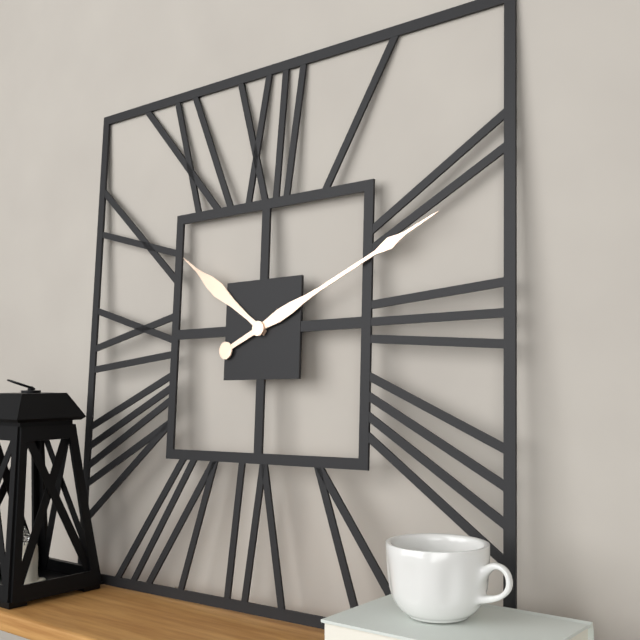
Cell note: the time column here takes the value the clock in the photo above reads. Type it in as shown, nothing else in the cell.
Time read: 10:11
